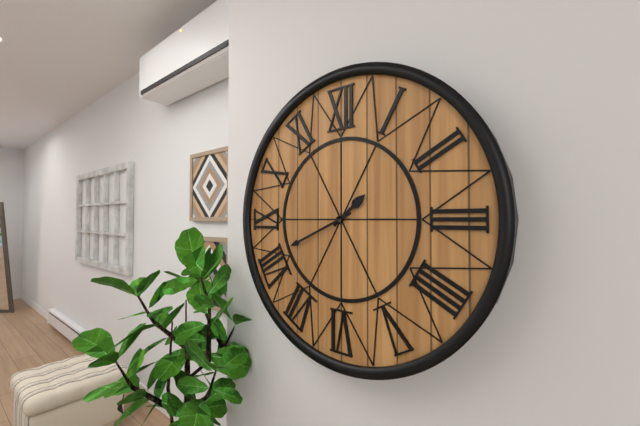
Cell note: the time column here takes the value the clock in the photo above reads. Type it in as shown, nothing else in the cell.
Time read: 1:41
